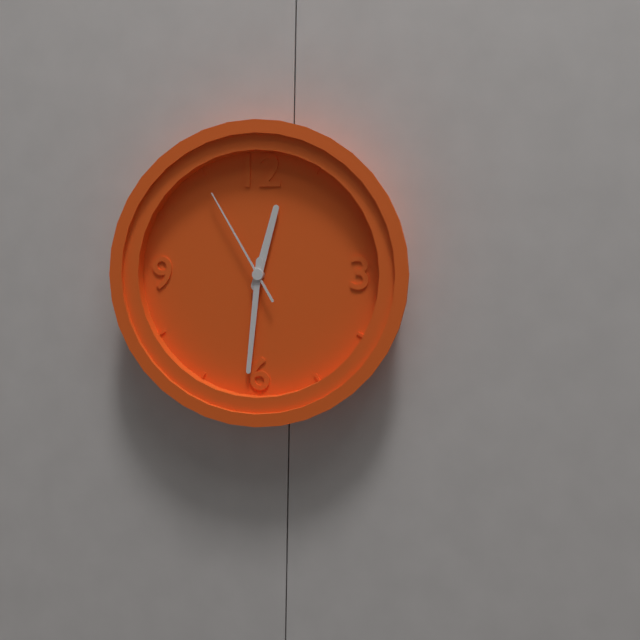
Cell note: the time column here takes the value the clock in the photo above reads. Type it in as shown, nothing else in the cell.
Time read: 12:31:55
